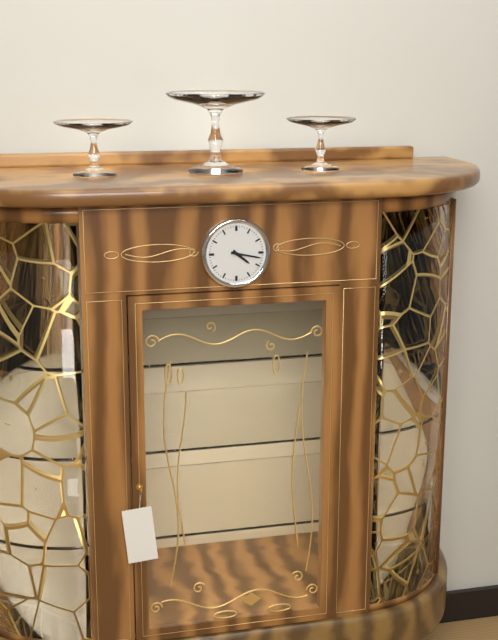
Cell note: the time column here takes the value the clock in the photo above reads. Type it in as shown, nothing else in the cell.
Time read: 4:17
